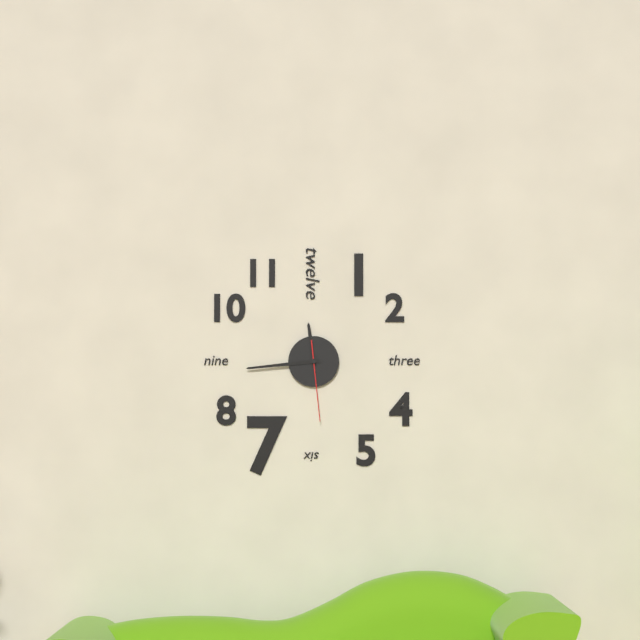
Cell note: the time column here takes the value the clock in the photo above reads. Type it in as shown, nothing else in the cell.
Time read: 11:44:29
